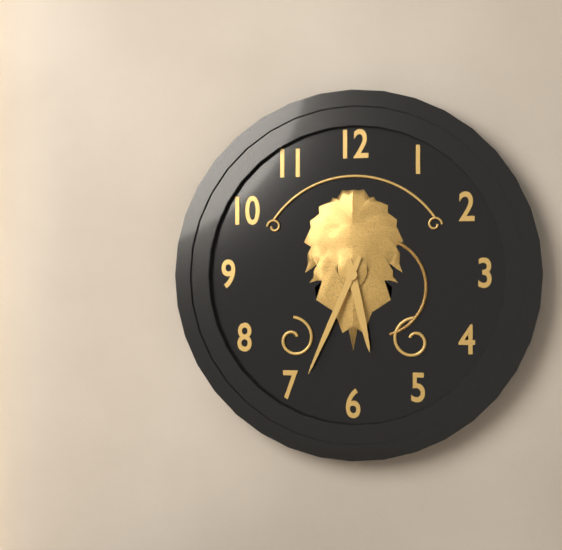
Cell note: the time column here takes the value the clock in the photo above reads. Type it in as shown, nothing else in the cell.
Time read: 5:34
